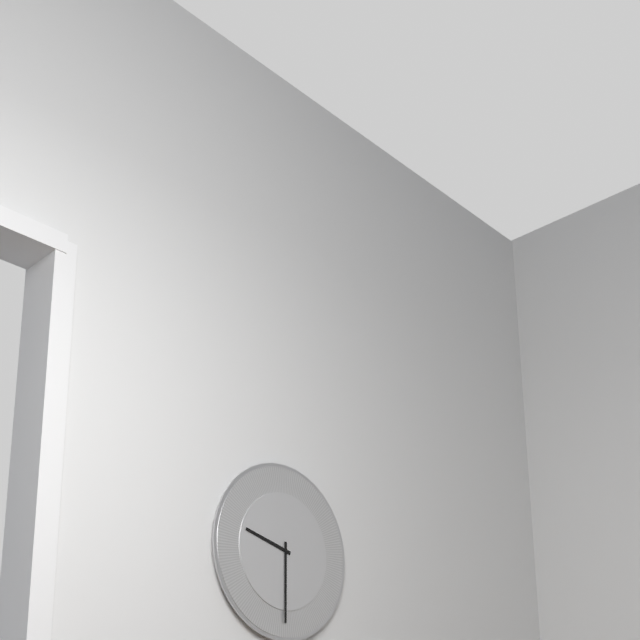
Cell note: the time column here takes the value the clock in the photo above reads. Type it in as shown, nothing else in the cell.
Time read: 9:30
